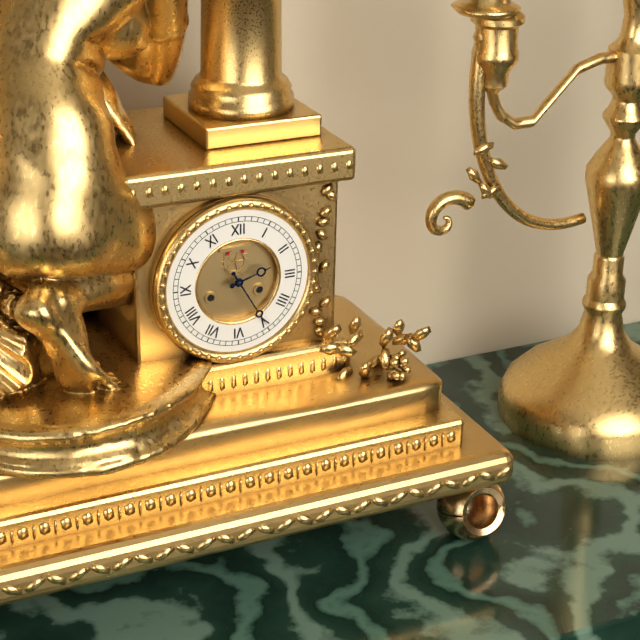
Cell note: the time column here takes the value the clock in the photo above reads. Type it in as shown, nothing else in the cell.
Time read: 2:25
